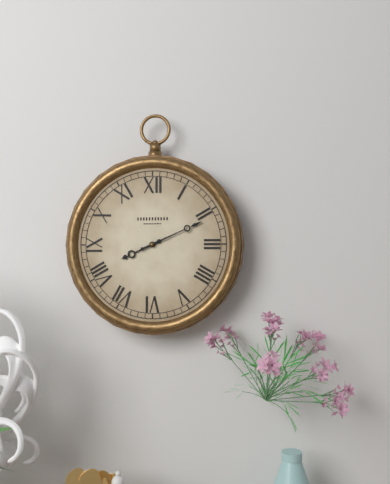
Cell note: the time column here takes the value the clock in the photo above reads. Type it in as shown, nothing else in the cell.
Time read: 8:11
